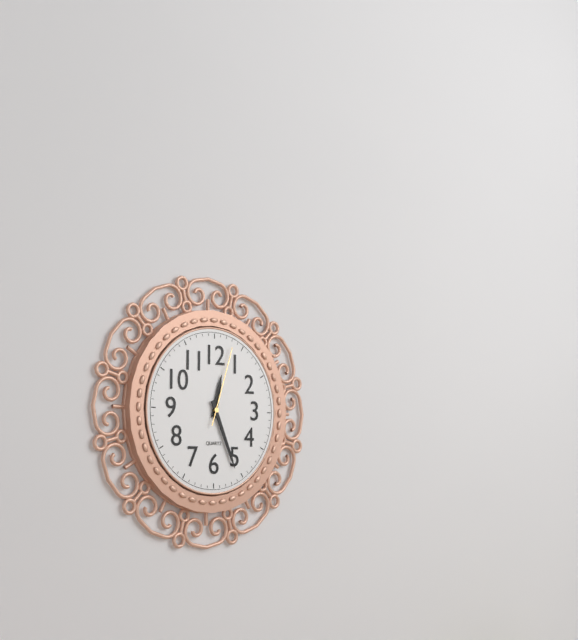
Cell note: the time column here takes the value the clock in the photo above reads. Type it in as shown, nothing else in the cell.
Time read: 12:26:03
